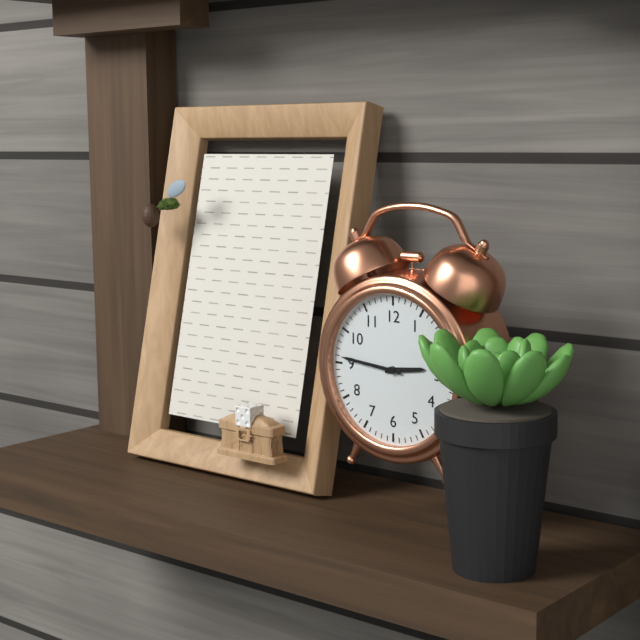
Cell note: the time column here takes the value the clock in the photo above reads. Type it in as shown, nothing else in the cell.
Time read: 2:46
